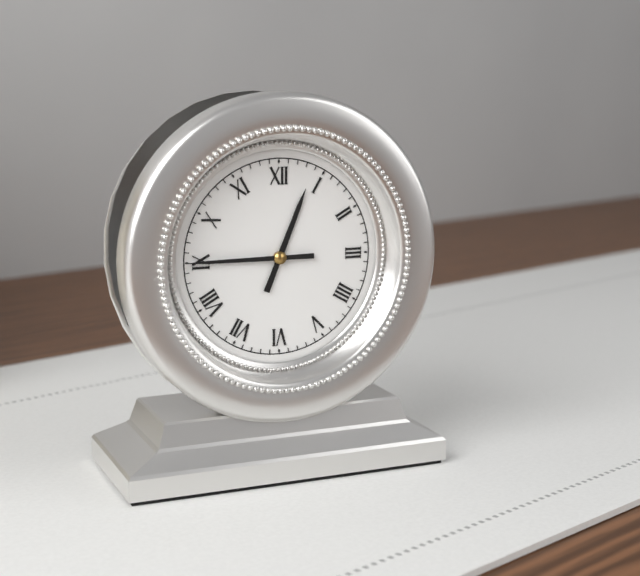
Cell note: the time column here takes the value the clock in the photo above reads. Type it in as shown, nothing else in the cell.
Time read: 12:45
